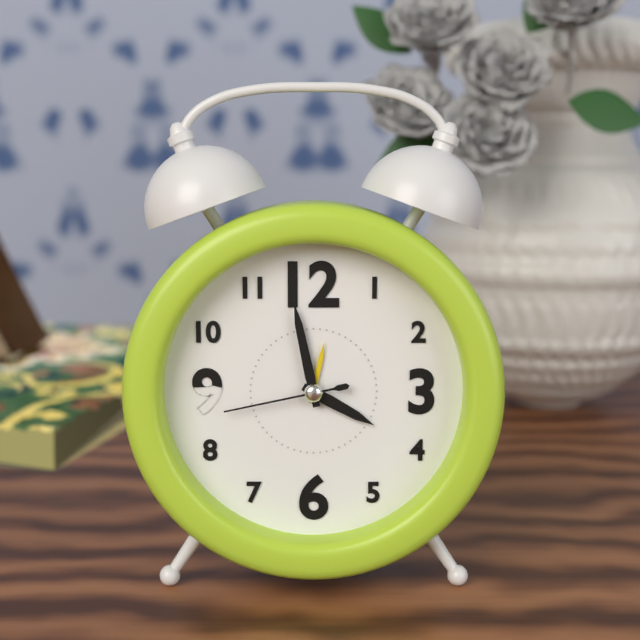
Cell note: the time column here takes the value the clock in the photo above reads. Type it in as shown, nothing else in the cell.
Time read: 3:58:43
